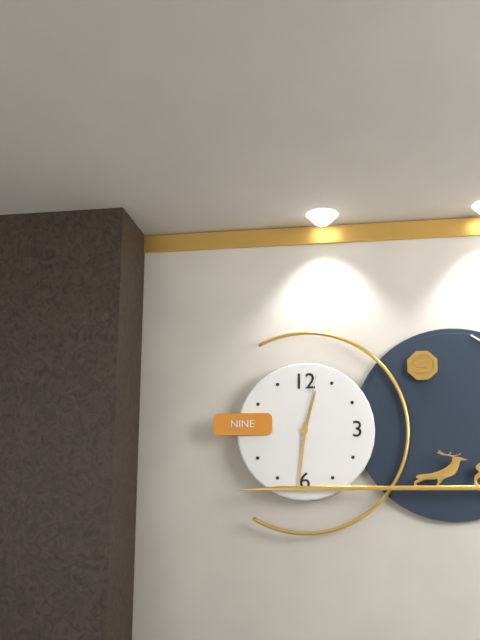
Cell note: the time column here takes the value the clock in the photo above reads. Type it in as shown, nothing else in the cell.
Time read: 12:31:02
